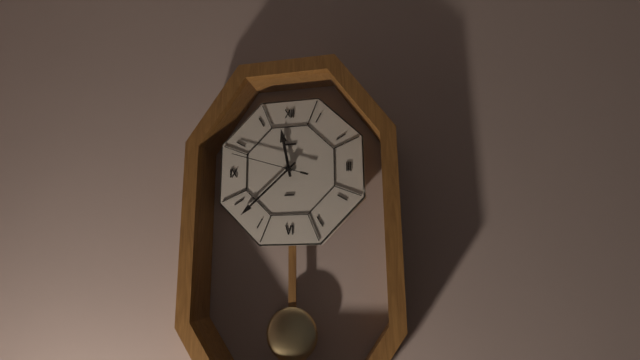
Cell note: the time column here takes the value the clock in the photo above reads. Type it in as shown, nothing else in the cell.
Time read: 11:38:48
